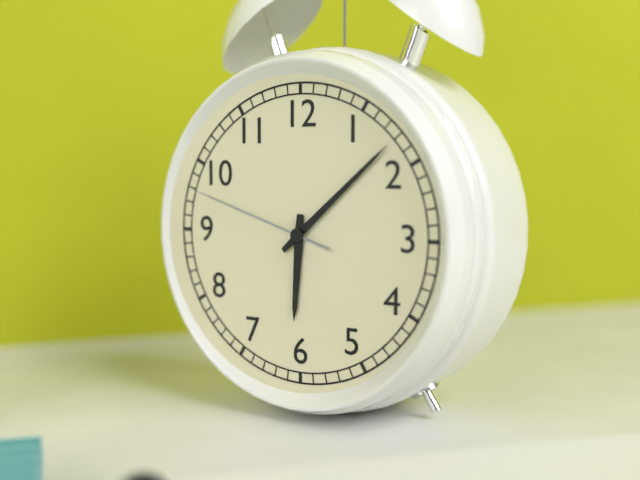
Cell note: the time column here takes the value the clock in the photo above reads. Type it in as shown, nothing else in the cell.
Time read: 6:08:48
